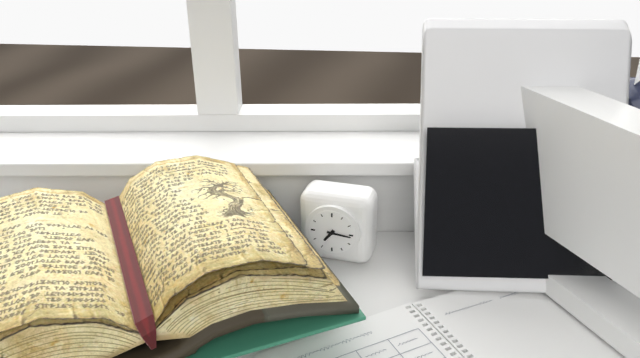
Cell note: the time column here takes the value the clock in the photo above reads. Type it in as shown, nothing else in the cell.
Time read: 7:16
